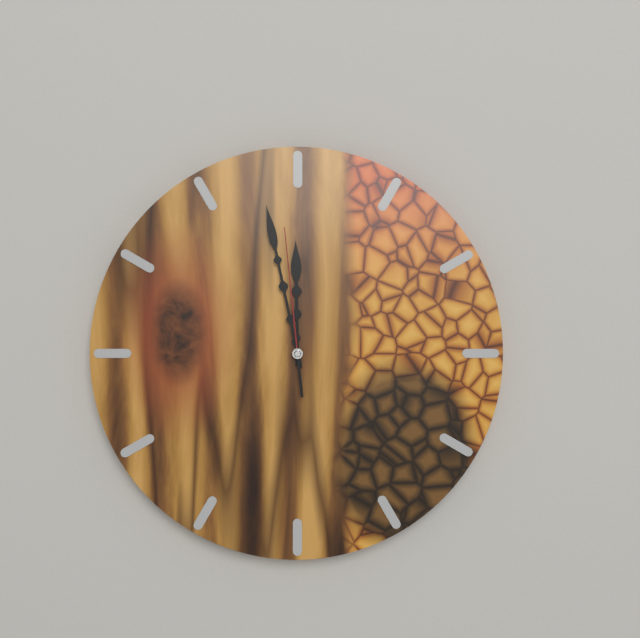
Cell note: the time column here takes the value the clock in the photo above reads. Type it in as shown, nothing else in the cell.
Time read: 11:58:59
